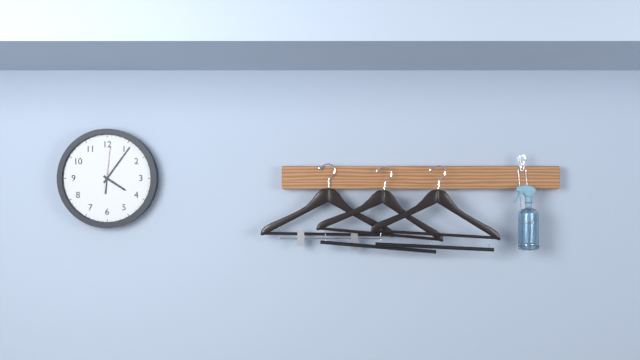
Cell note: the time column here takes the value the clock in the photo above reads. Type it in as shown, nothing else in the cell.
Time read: 4:06
